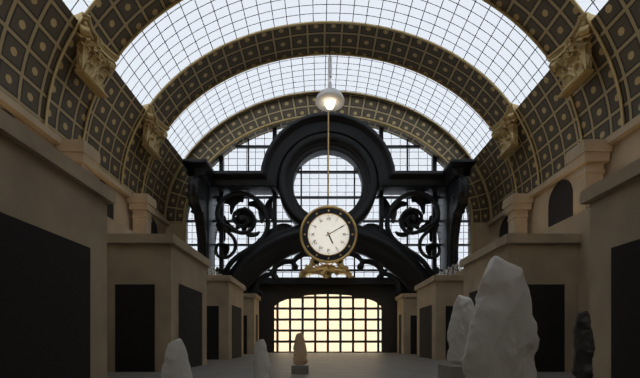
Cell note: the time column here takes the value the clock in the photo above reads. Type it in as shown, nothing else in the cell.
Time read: 5:10
